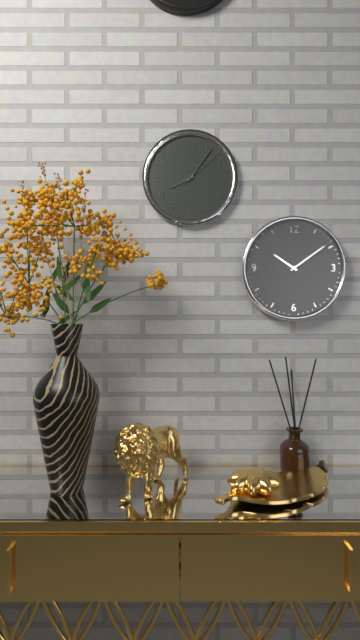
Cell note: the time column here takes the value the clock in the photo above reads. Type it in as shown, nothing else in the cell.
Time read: 8:06
